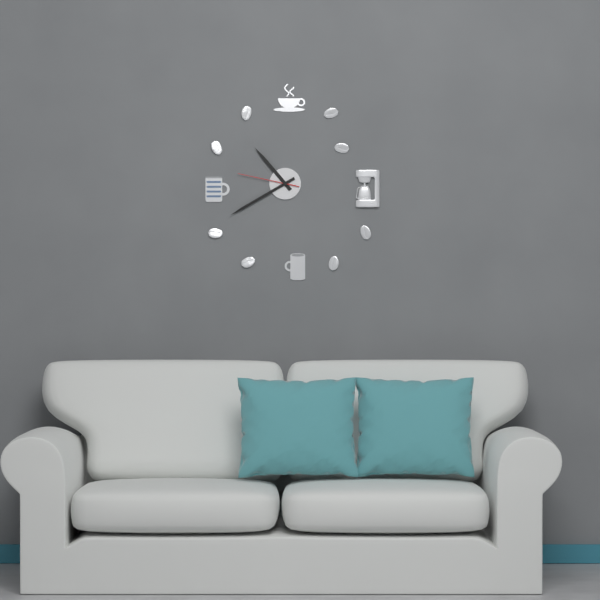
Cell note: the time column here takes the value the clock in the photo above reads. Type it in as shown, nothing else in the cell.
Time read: 10:40:47
